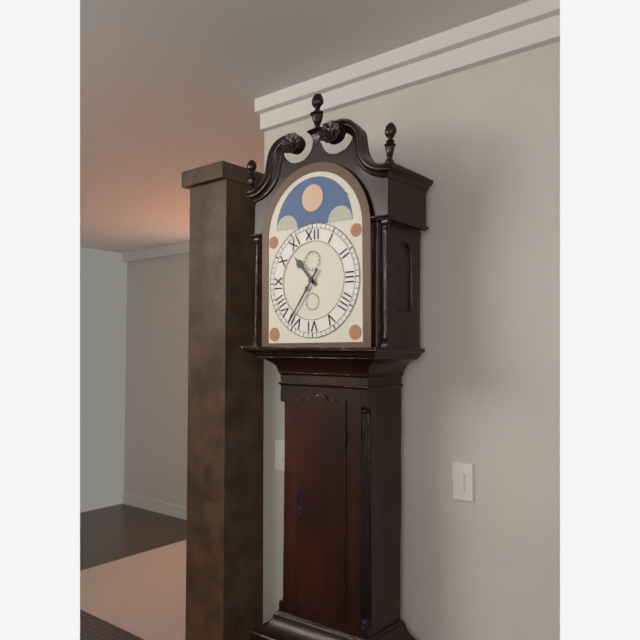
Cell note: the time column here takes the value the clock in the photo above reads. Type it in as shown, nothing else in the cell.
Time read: 10:36
